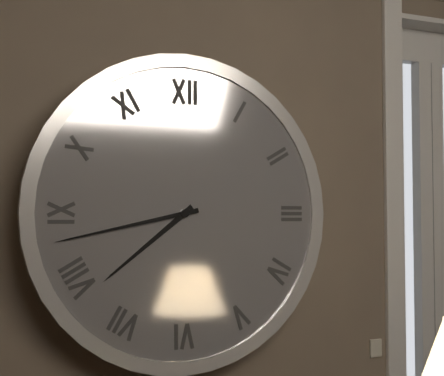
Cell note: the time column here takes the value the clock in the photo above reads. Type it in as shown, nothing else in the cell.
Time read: 7:43
